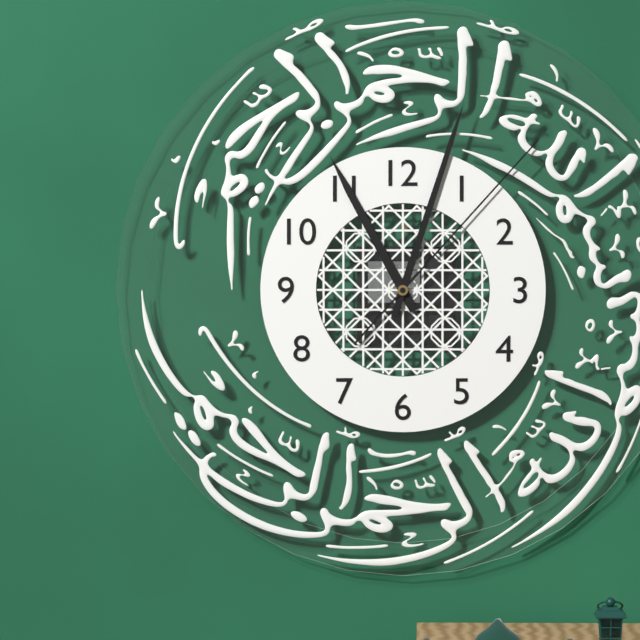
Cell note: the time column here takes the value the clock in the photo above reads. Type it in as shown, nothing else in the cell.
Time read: 11:03:07
